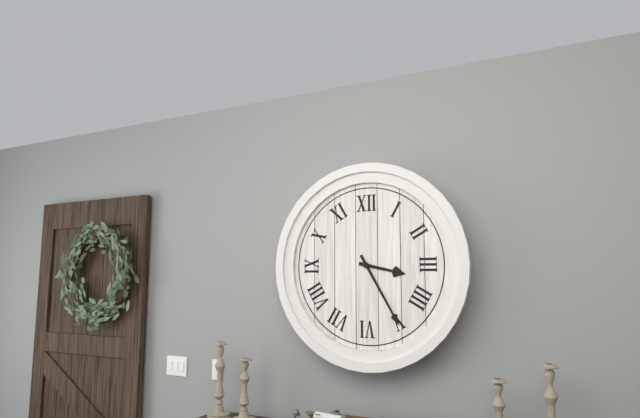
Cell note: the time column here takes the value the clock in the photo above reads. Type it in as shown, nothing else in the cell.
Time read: 3:25
